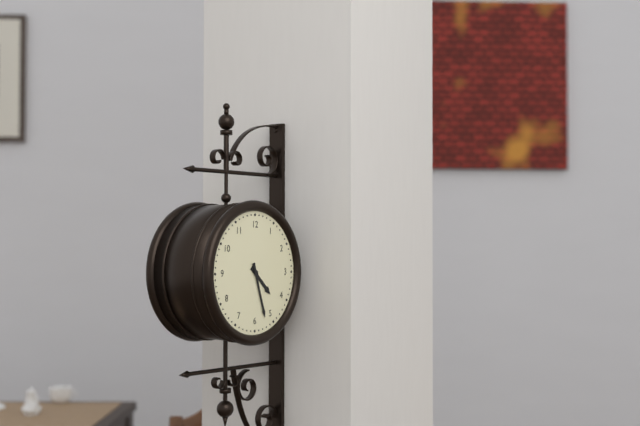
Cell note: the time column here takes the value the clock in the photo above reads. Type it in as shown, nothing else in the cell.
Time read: 4:27
